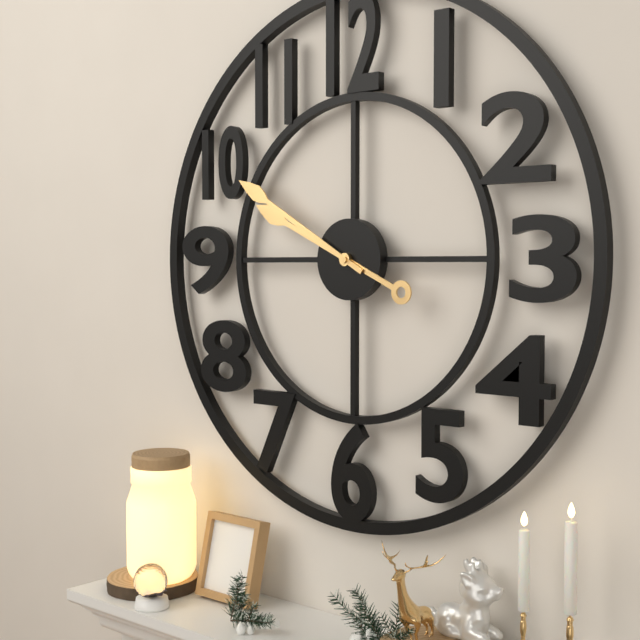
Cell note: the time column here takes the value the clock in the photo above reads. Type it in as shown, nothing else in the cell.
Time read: 9:50
